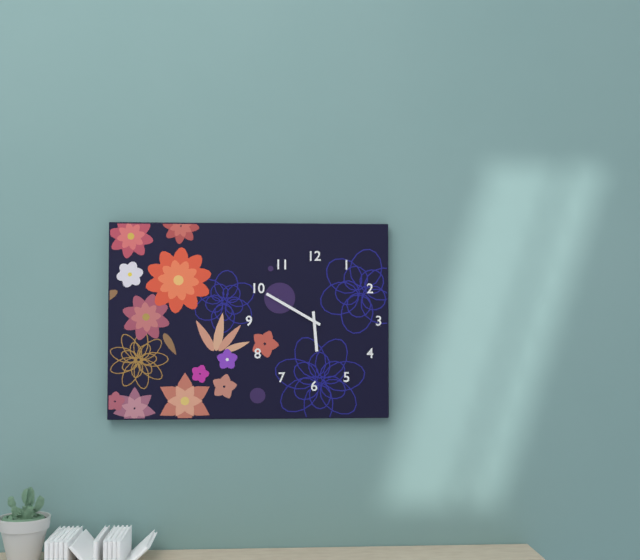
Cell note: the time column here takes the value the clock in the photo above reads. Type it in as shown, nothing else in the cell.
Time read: 5:50
